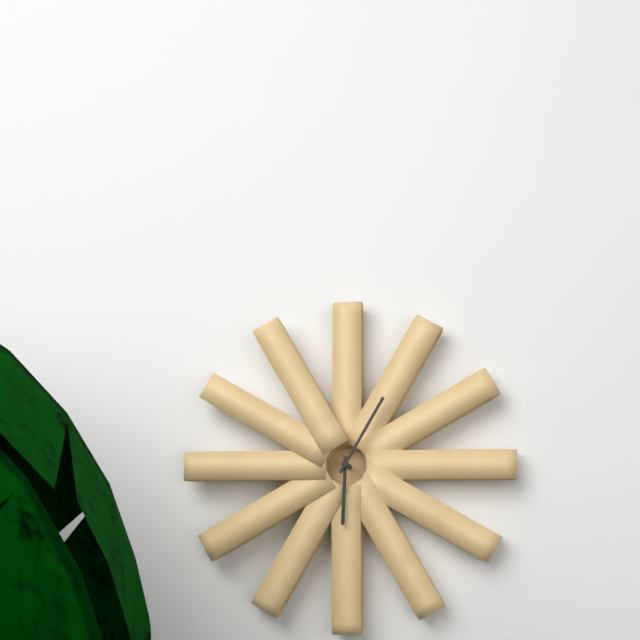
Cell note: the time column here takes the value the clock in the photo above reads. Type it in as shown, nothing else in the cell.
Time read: 6:05
